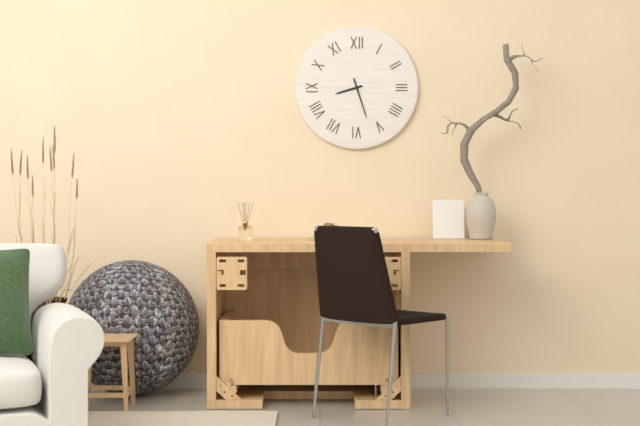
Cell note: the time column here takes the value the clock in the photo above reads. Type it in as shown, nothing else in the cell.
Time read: 8:27
